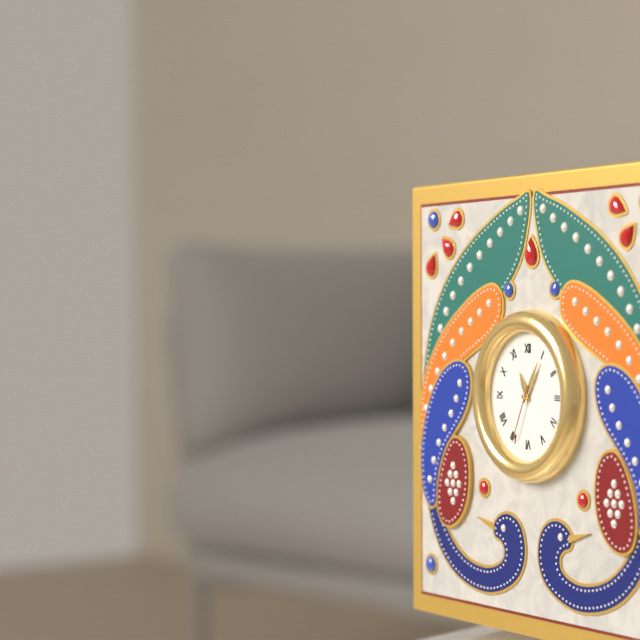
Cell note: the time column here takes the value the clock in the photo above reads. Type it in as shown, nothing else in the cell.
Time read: 11:05:34
